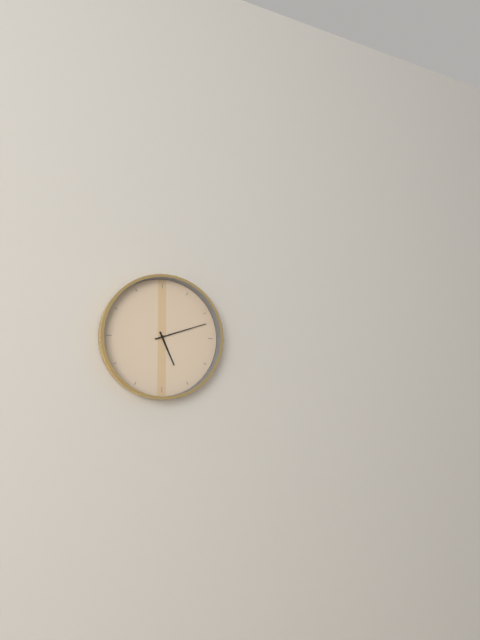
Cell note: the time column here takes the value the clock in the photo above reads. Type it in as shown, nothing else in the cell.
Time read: 5:12
